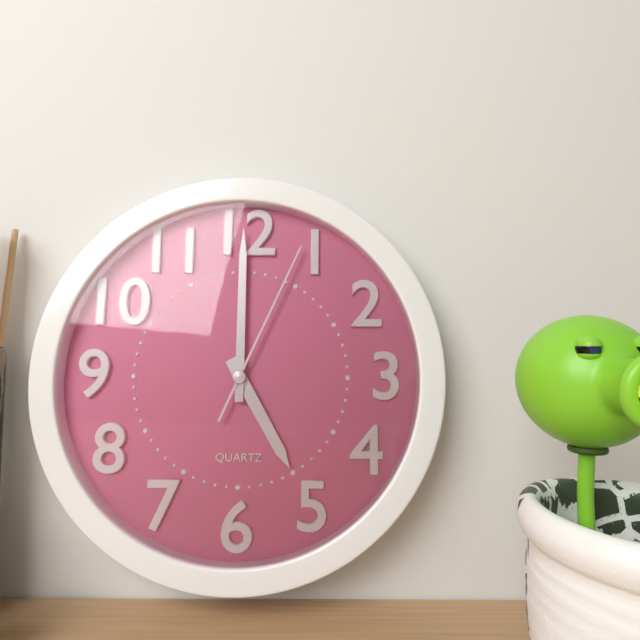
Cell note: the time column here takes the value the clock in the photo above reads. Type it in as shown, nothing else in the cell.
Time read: 5:00:04
